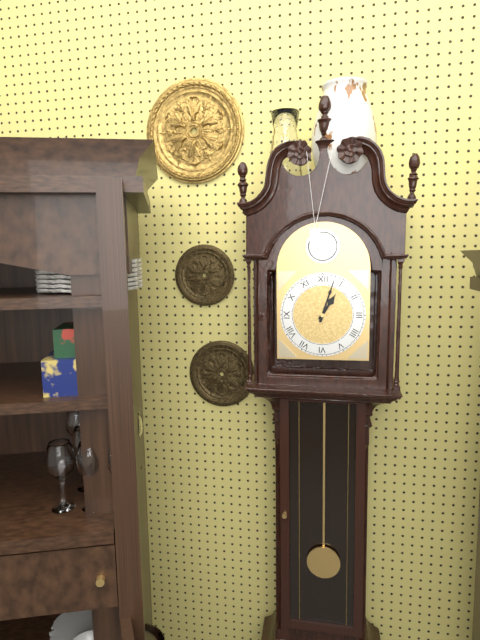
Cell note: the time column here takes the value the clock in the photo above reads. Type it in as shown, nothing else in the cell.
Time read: 1:03
